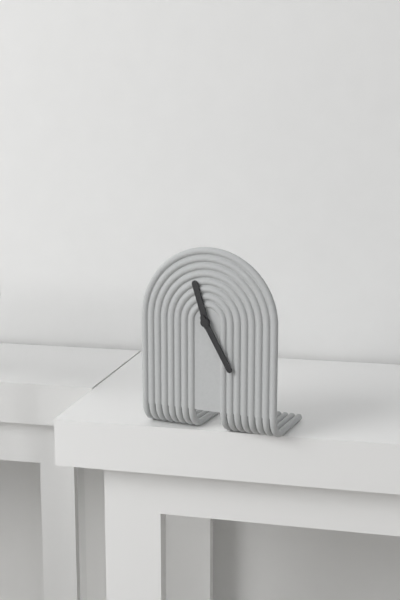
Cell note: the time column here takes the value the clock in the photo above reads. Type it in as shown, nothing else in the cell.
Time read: 11:25
